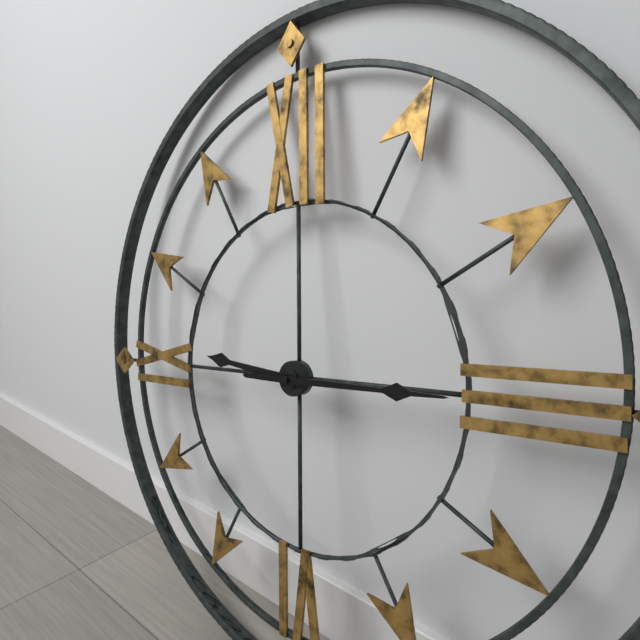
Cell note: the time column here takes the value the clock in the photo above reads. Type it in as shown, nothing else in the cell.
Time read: 9:15
